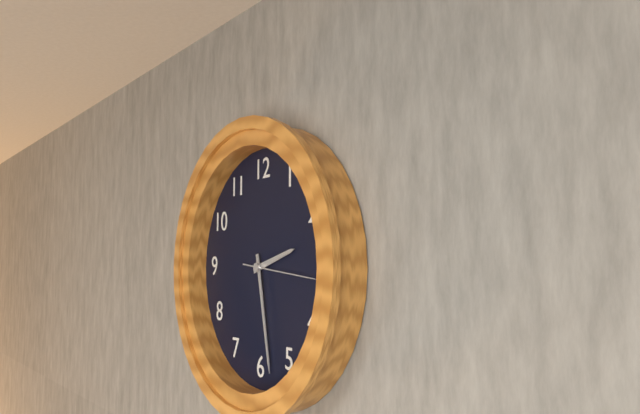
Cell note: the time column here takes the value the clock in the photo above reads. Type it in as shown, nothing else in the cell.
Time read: 2:28:16
